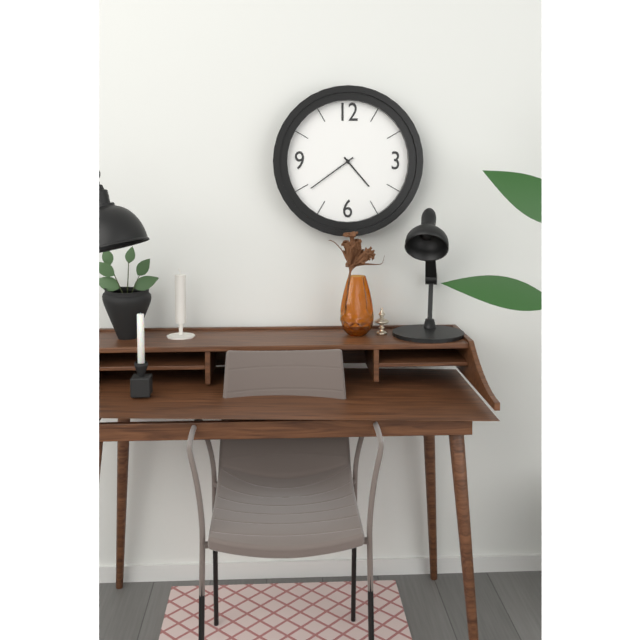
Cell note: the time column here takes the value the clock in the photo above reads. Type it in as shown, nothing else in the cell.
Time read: 4:39
